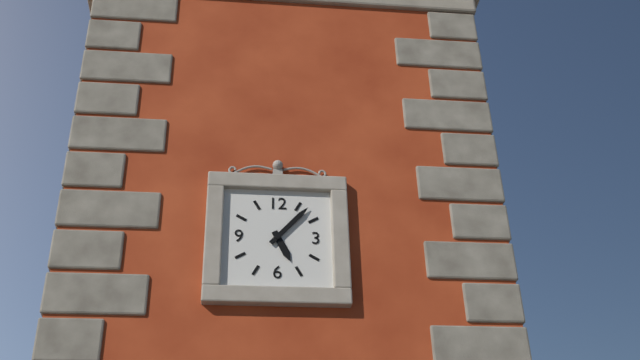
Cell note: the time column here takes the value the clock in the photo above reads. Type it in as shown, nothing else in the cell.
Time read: 5:07
